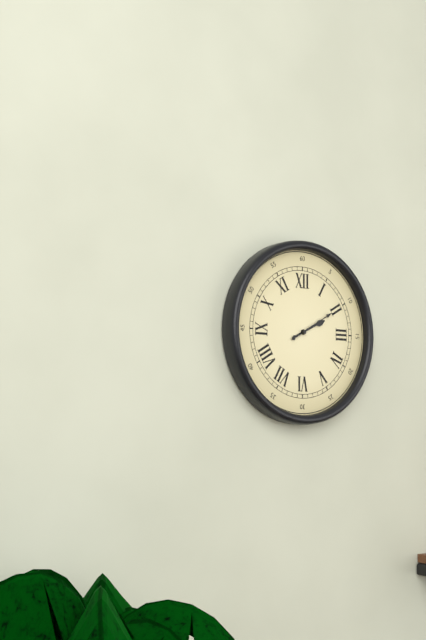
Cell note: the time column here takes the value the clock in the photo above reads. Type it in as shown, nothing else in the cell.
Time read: 2:10
